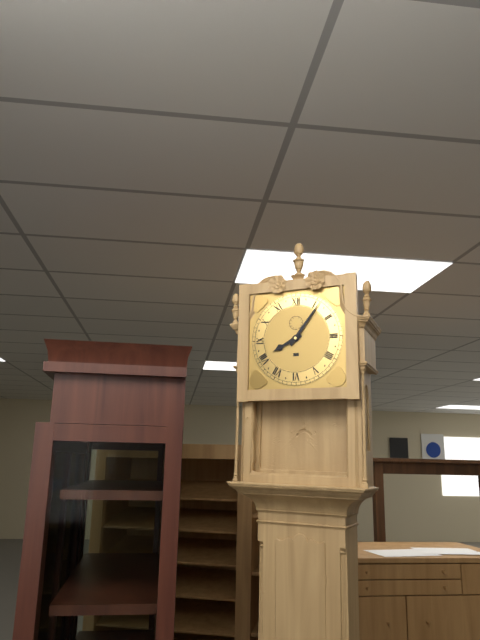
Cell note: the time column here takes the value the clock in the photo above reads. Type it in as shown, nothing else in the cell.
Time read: 8:06
